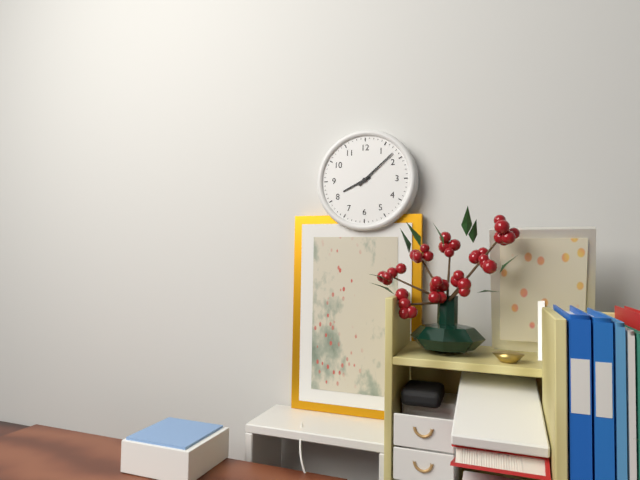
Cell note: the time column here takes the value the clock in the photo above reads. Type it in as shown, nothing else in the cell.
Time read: 8:08
